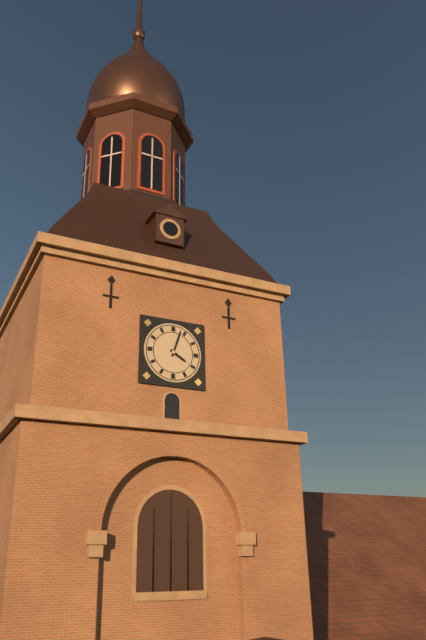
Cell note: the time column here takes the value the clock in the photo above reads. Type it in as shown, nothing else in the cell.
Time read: 4:03
